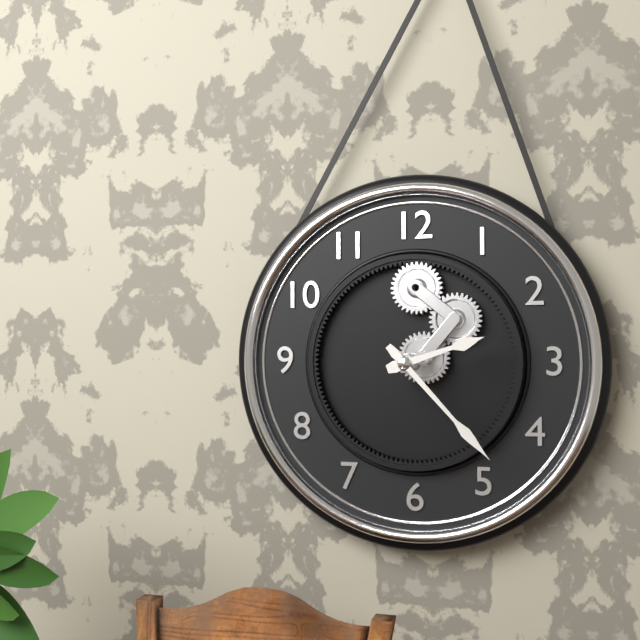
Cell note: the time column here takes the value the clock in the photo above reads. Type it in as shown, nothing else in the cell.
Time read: 2:23
